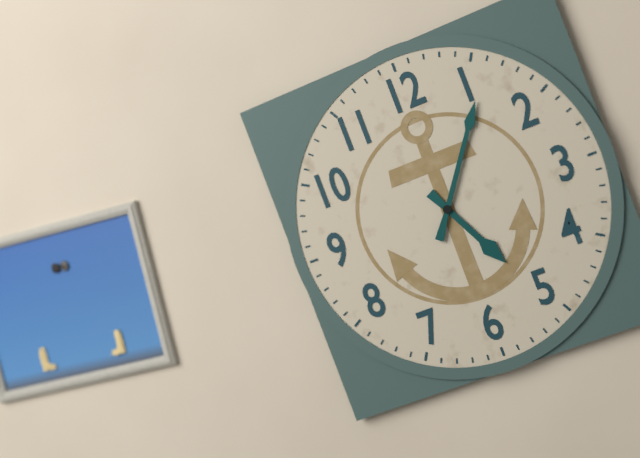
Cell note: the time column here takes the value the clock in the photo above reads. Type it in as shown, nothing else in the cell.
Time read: 5:06
